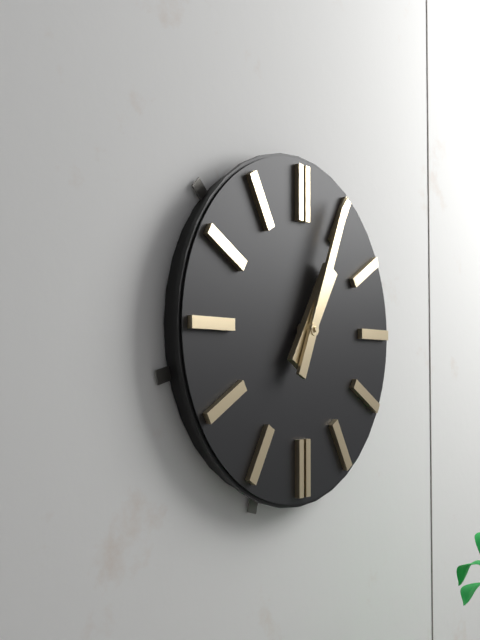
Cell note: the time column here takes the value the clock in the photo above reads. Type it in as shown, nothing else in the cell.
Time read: 1:04
